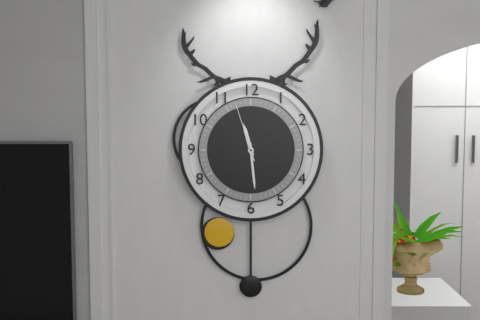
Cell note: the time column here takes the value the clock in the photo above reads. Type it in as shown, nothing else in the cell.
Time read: 11:29:57
